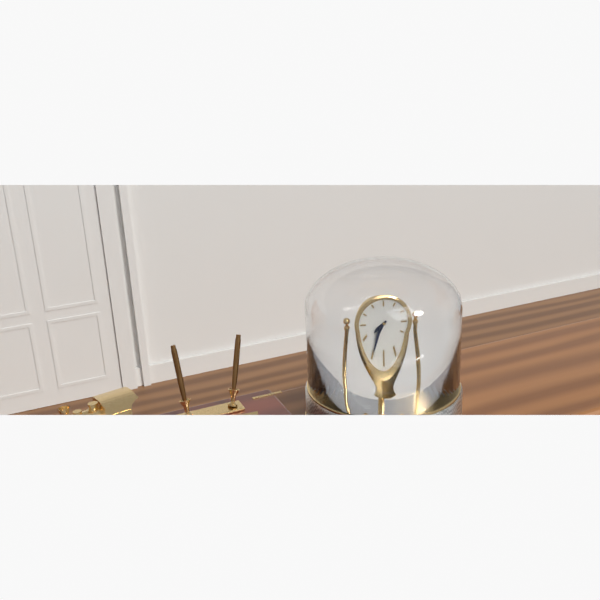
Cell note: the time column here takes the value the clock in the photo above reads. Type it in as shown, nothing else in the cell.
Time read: 7:35
